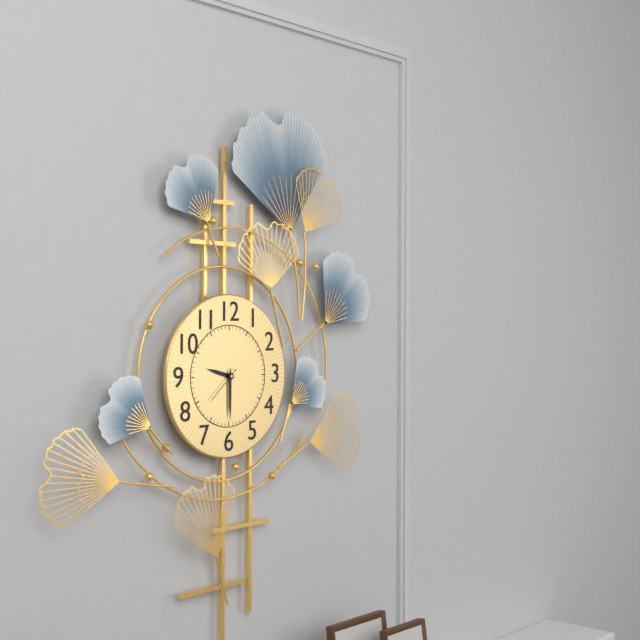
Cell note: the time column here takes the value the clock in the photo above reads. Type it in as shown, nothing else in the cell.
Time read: 9:30
